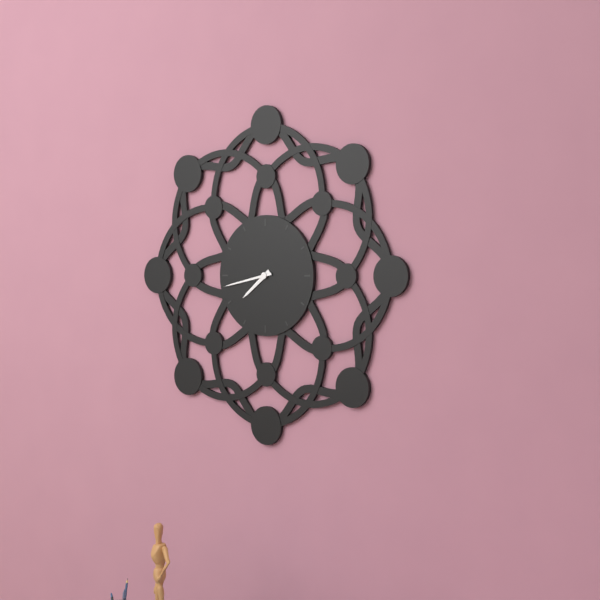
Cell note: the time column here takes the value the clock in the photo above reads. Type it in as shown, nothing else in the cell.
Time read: 7:43
